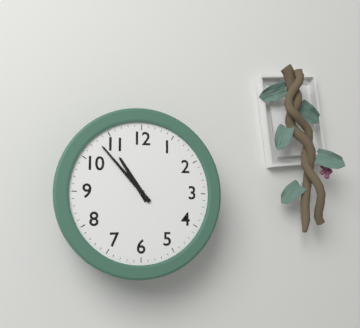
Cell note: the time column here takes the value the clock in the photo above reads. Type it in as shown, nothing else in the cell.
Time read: 10:53
